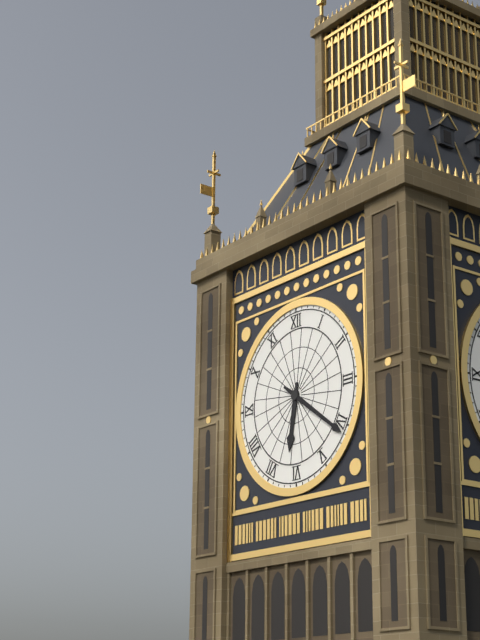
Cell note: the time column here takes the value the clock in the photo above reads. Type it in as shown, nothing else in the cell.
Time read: 6:21
